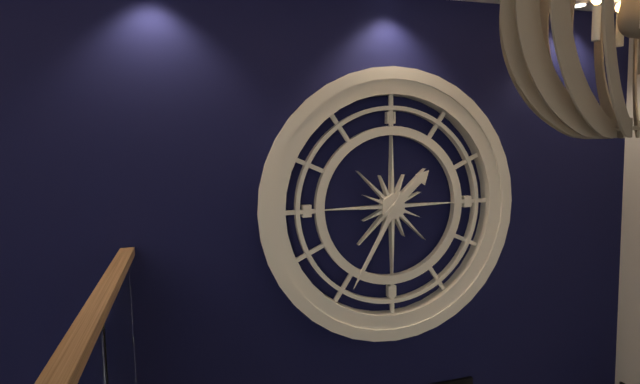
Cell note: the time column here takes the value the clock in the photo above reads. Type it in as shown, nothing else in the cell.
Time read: 1:35
